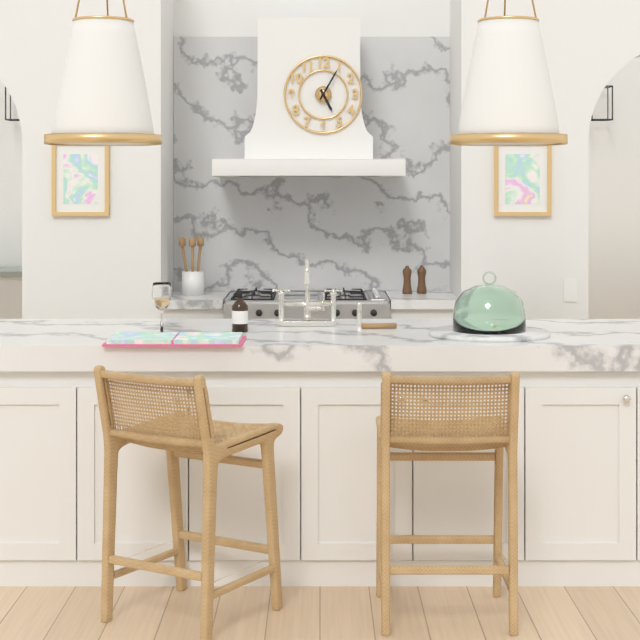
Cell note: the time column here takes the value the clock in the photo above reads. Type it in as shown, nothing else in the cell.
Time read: 5:05
